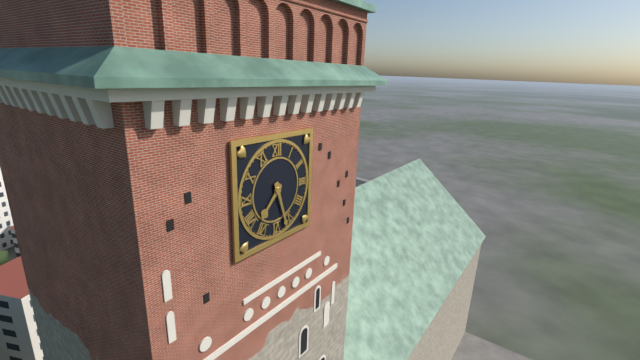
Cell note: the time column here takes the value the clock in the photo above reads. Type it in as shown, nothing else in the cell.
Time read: 7:27
